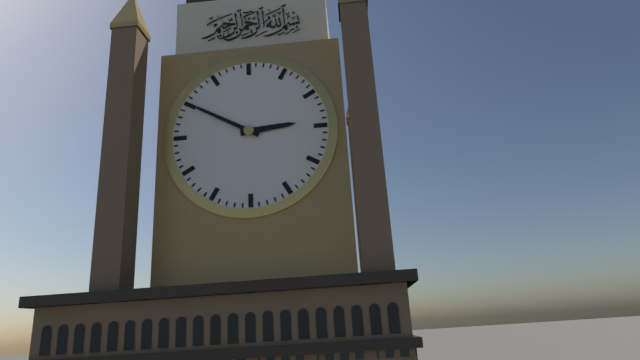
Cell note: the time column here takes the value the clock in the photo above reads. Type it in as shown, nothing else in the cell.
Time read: 2:50
